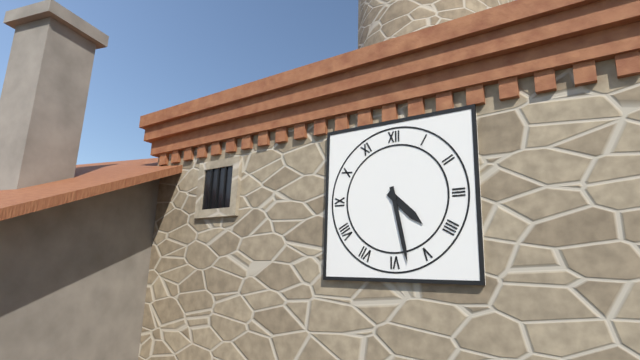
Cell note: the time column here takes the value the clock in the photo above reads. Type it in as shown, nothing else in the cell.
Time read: 4:28
